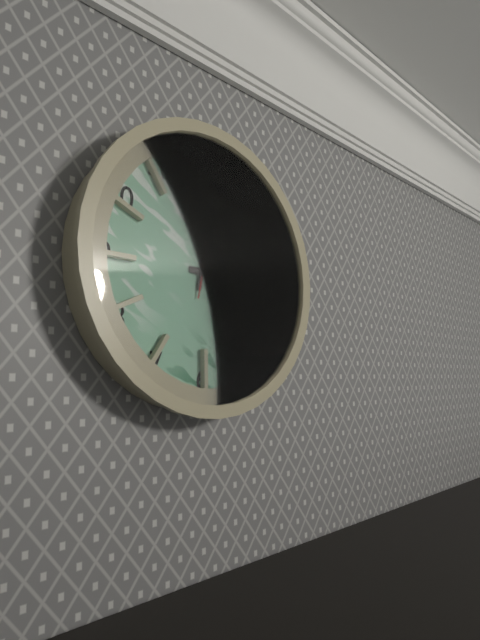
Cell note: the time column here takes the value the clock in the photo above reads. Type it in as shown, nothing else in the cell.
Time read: 3:02:02
